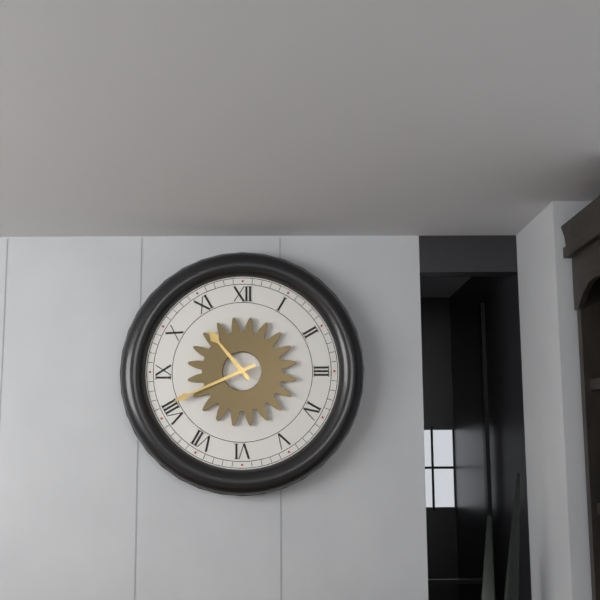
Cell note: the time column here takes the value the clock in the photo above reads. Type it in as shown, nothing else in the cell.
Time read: 10:41
